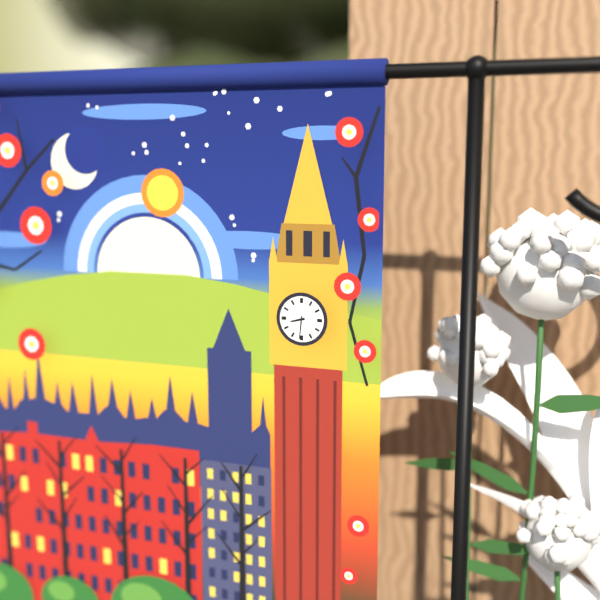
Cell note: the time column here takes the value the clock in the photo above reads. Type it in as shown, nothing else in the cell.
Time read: 8:31
